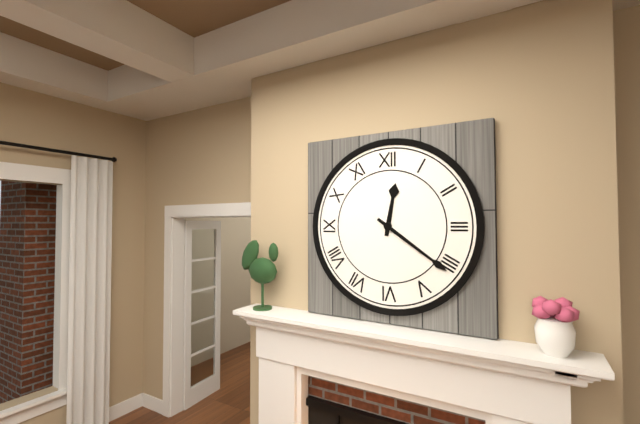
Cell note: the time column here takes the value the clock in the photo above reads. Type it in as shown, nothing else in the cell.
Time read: 12:21
